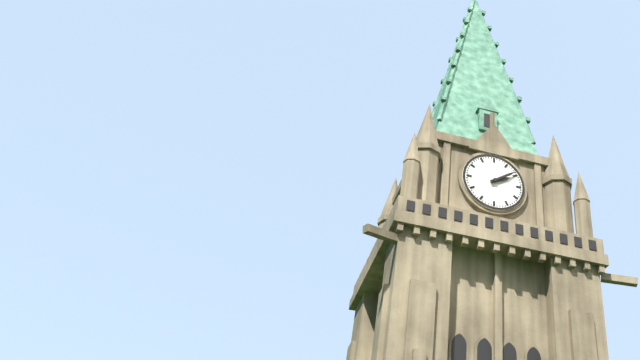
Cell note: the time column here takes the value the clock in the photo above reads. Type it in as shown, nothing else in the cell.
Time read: 2:09
